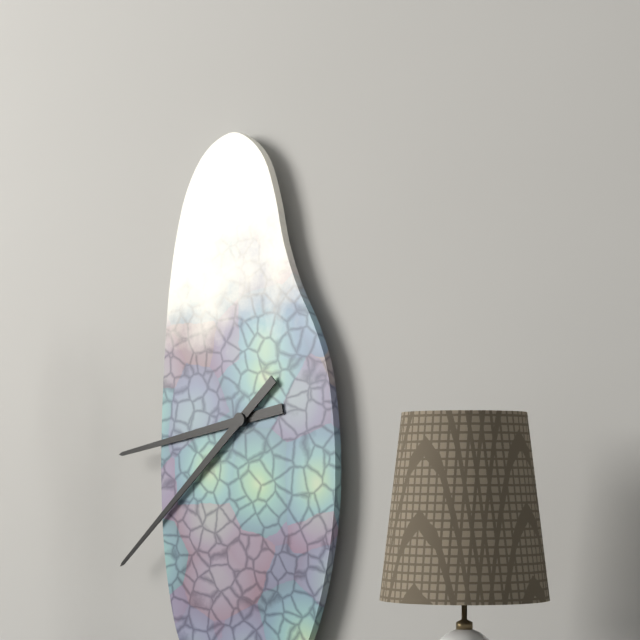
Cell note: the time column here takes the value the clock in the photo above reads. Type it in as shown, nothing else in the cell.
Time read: 8:38
